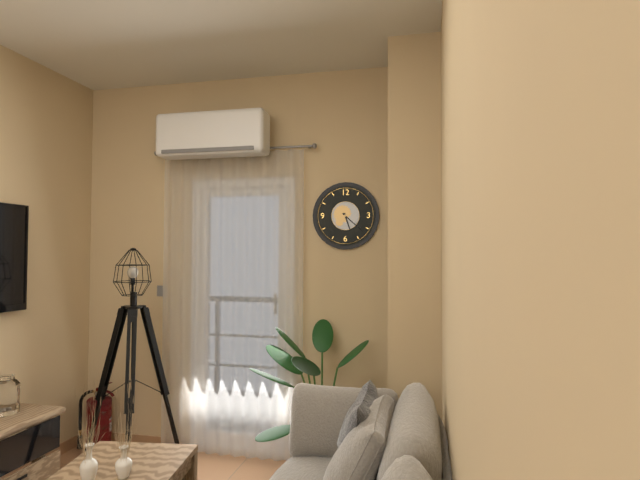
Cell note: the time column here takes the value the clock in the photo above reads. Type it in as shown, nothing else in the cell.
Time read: 5:22
